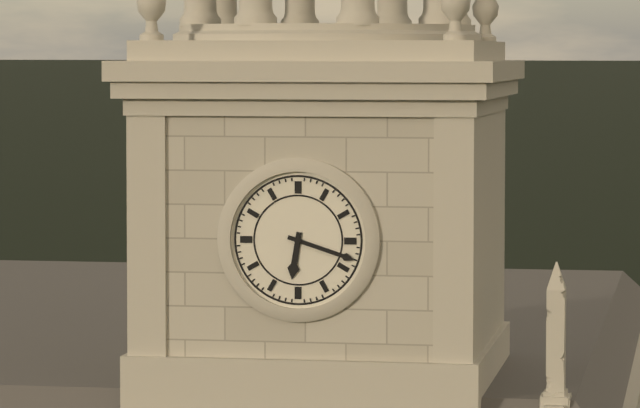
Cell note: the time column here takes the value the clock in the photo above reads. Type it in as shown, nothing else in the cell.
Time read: 6:18
